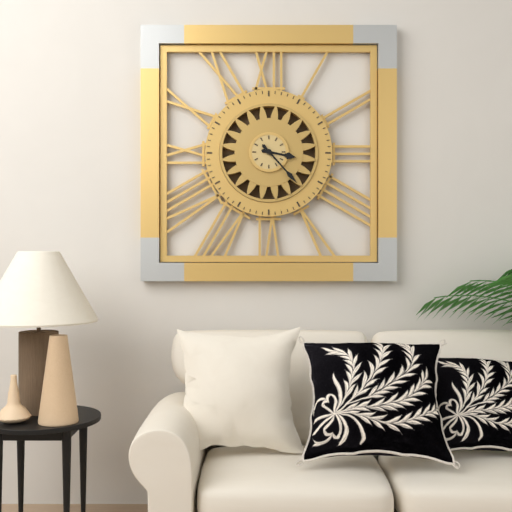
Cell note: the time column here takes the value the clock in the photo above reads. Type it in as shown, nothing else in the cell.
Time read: 3:23
